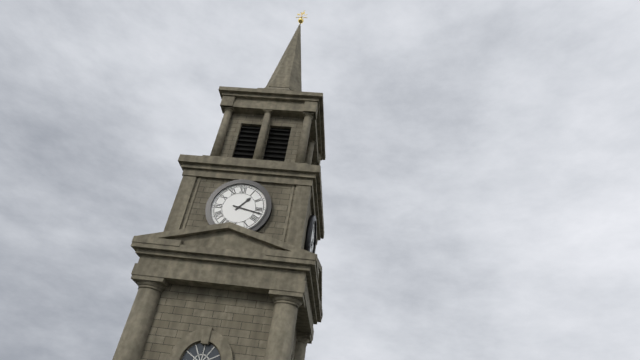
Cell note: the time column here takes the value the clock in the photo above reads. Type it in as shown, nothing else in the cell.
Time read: 1:17
